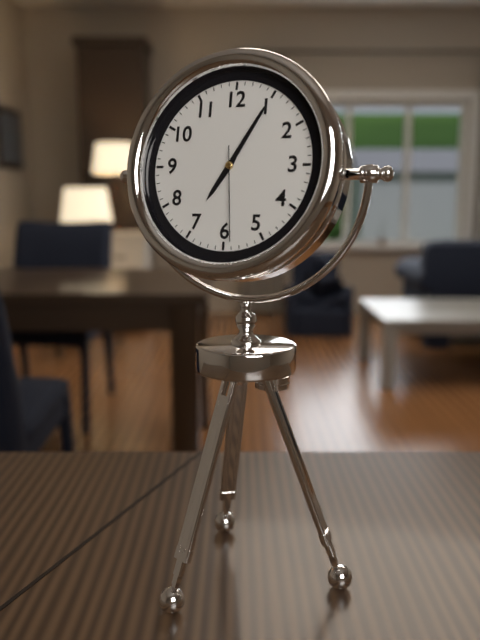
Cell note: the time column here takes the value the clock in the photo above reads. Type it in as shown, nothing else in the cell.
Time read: 7:05:29
